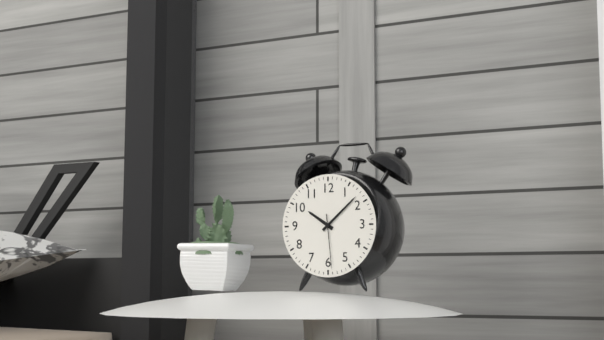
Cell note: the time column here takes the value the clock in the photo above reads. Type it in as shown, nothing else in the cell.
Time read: 10:08:29
